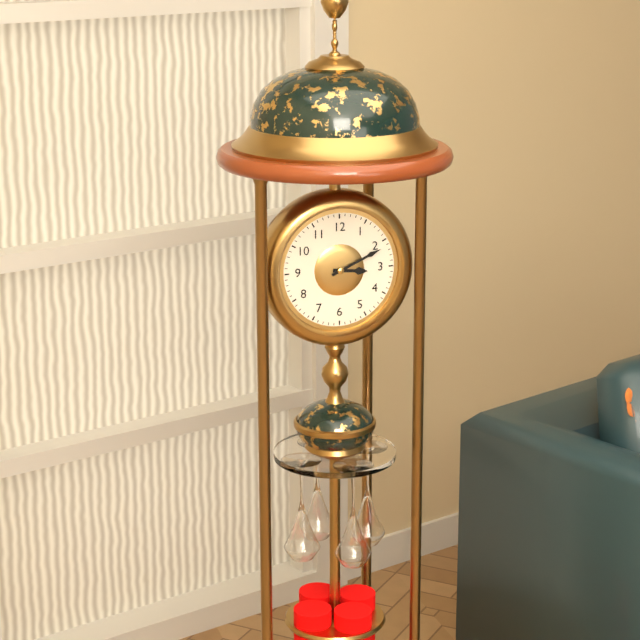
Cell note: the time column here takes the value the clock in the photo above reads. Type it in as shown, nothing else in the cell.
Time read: 3:11
